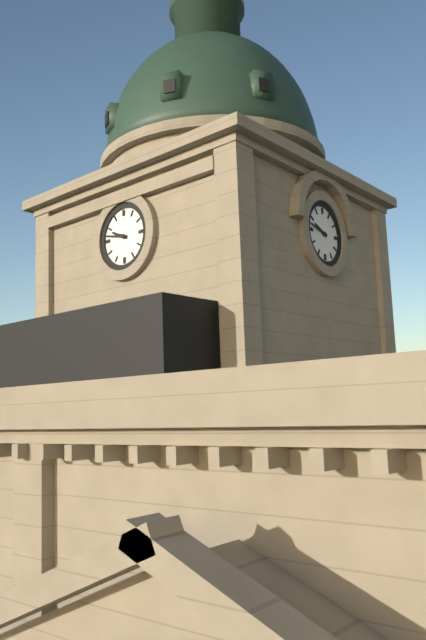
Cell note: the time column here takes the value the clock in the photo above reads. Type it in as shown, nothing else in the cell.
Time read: 9:47
